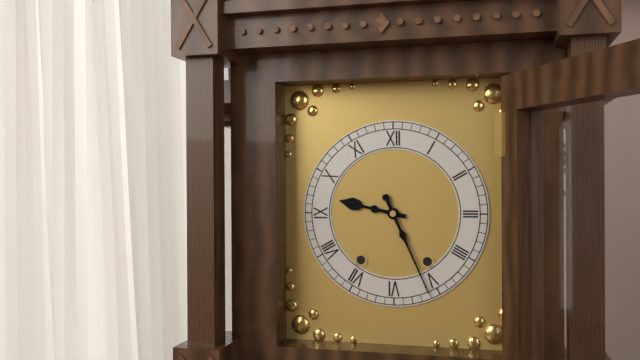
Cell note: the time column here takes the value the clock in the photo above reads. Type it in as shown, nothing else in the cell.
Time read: 9:26
